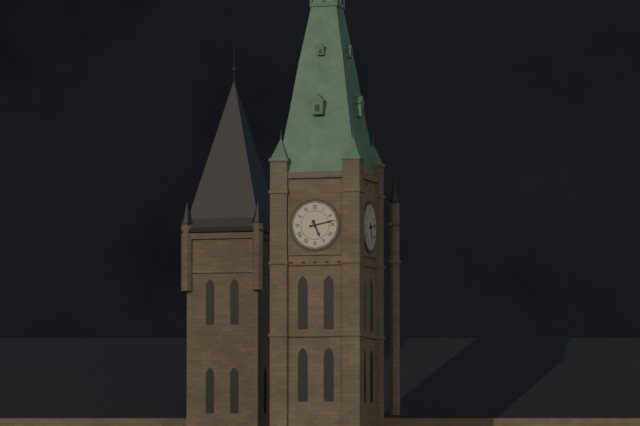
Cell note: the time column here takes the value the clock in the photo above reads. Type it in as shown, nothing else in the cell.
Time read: 5:13
